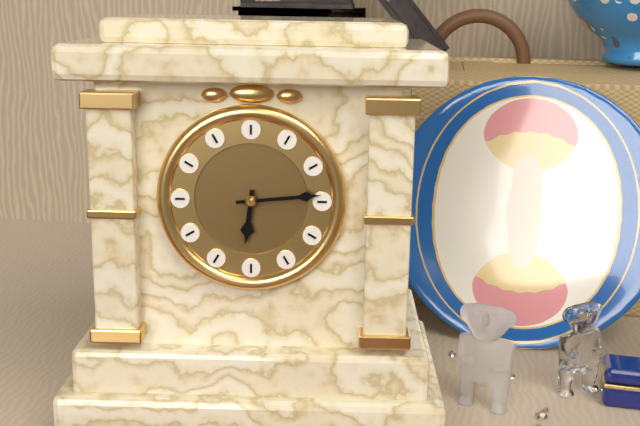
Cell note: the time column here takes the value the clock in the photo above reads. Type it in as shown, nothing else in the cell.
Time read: 6:14
